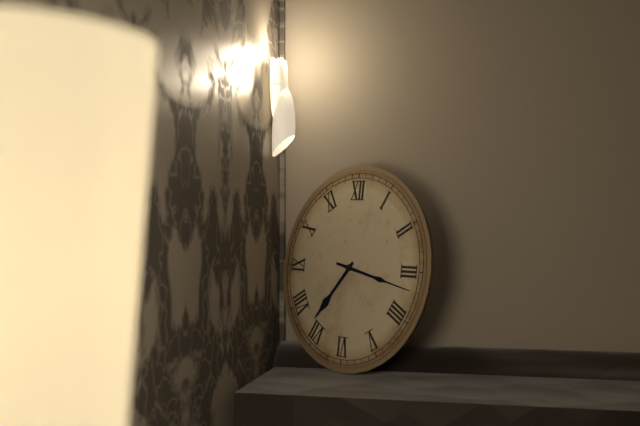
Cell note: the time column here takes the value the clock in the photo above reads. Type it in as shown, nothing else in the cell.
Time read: 7:17
